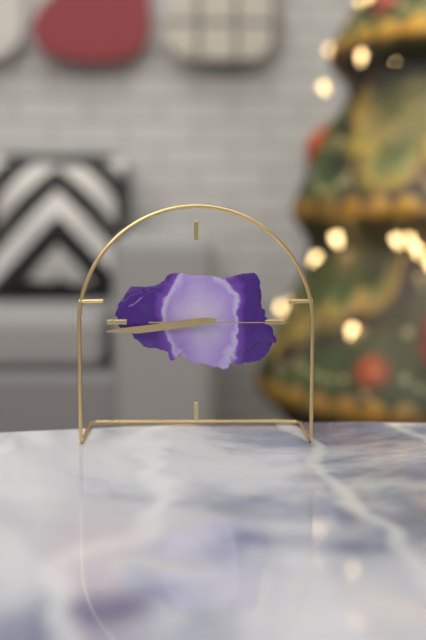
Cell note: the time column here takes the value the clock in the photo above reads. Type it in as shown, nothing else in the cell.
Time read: 8:44:15
